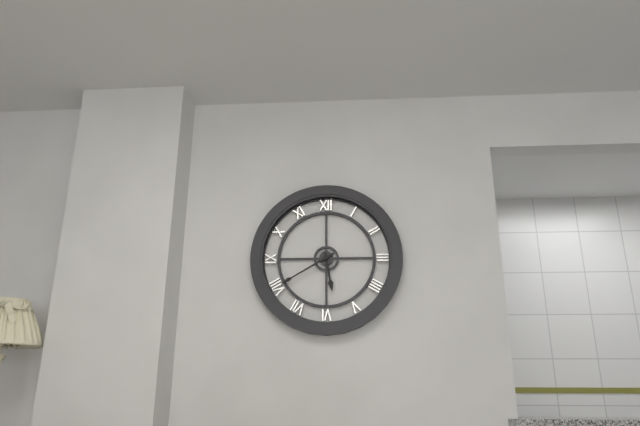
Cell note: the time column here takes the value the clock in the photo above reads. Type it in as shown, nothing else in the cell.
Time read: 5:40
